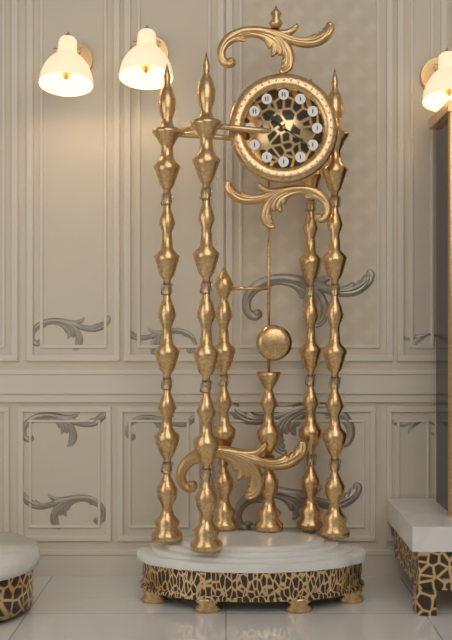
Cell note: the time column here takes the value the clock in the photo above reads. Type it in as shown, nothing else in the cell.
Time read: 10:21
